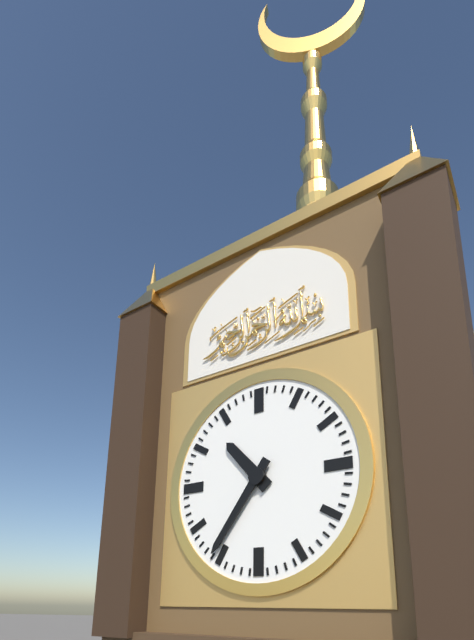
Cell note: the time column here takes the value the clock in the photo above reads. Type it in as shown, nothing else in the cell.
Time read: 10:36
